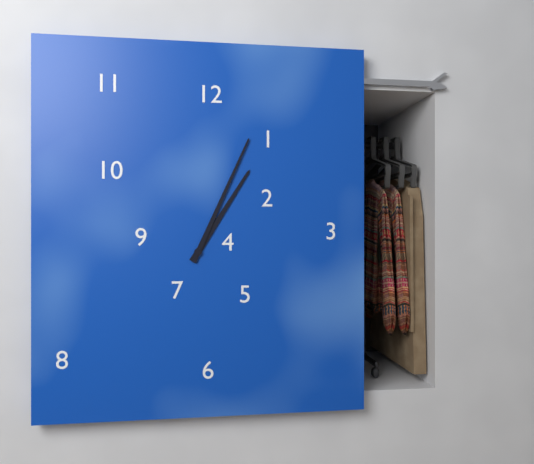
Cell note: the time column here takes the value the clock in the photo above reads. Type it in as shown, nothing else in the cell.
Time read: 1:04
